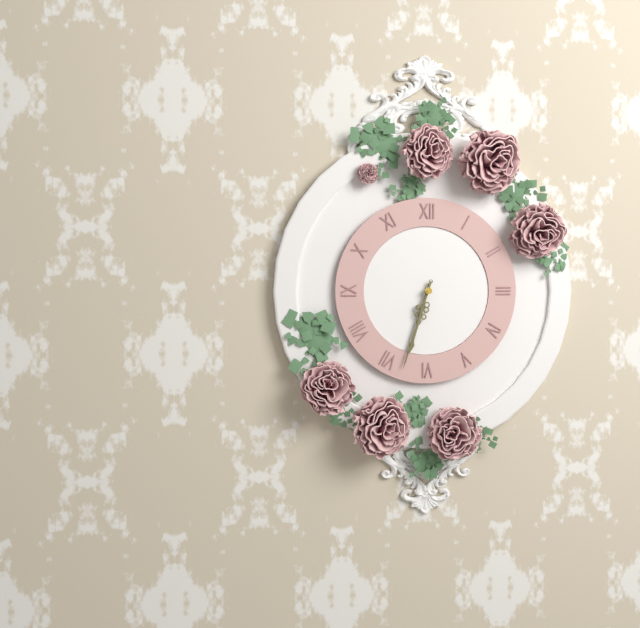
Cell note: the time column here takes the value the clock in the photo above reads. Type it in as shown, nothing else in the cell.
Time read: 6:33
